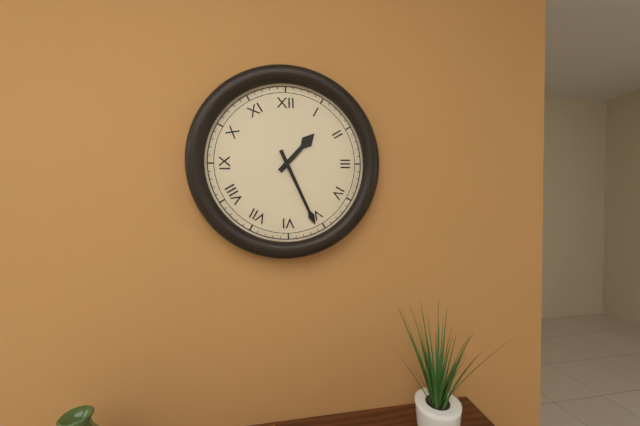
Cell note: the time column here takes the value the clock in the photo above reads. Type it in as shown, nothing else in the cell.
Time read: 1:26
